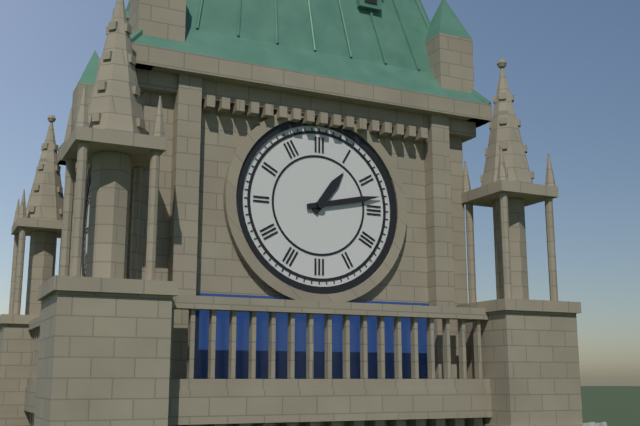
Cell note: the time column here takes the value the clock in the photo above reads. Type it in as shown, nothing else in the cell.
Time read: 1:13
